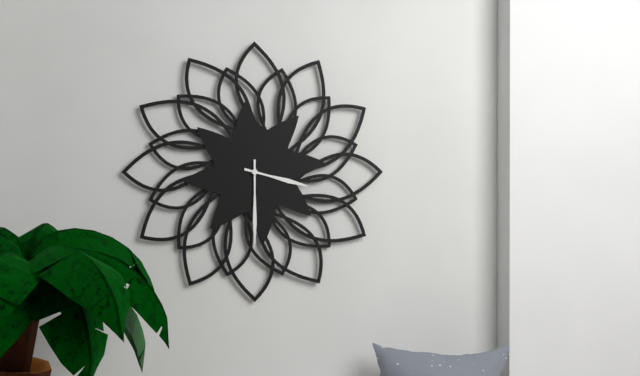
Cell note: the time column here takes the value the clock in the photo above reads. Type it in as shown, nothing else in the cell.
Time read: 3:30
